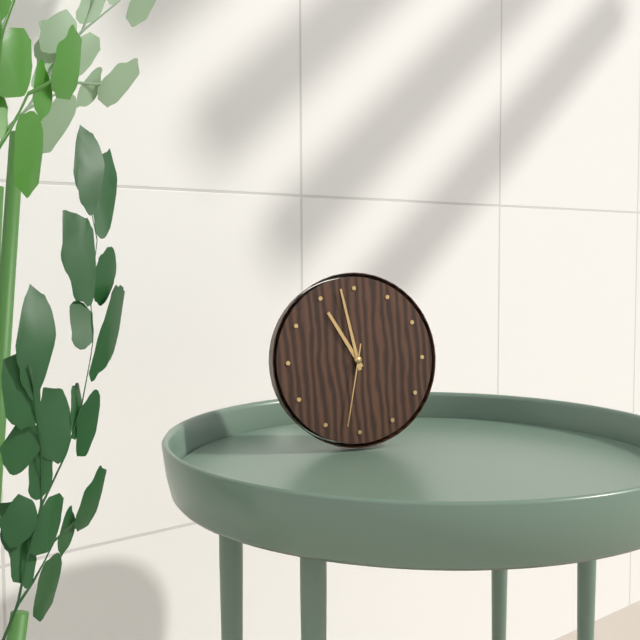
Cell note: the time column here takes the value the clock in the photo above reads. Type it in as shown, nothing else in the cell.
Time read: 10:58:32
